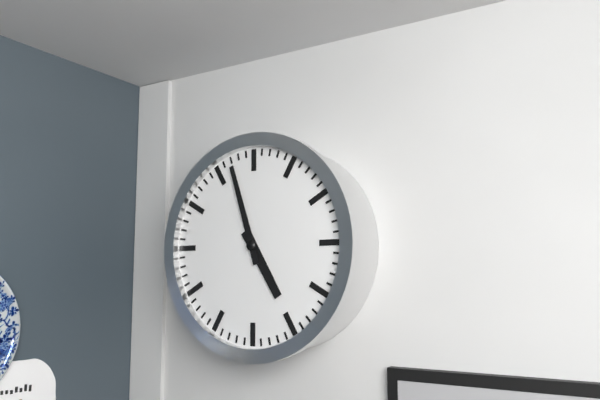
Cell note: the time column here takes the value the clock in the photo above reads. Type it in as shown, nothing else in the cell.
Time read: 4:57
